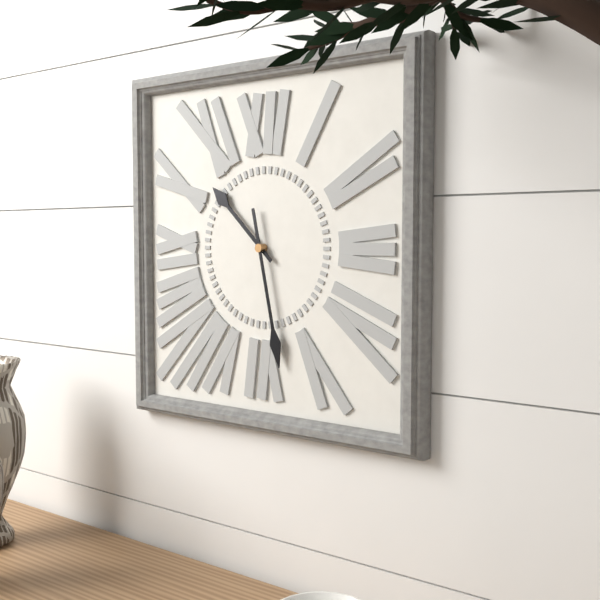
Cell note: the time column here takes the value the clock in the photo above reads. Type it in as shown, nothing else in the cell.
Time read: 10:28
